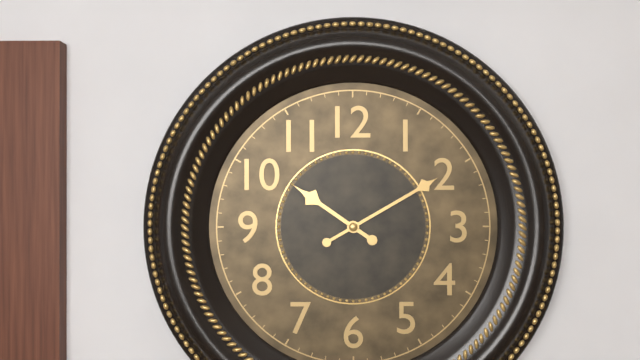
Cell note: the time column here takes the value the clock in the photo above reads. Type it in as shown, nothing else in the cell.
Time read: 10:10
